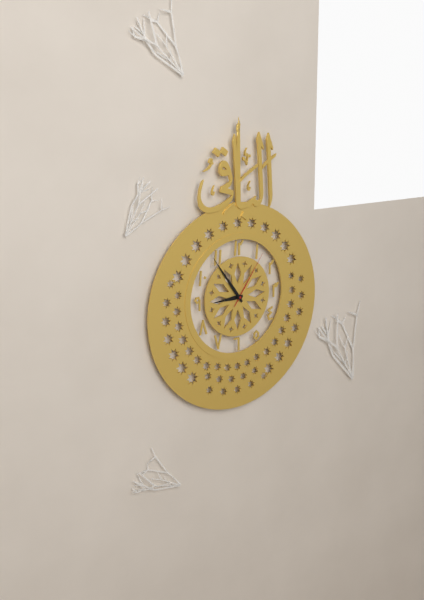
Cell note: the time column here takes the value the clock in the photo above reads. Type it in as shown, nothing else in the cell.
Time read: 8:54:06
